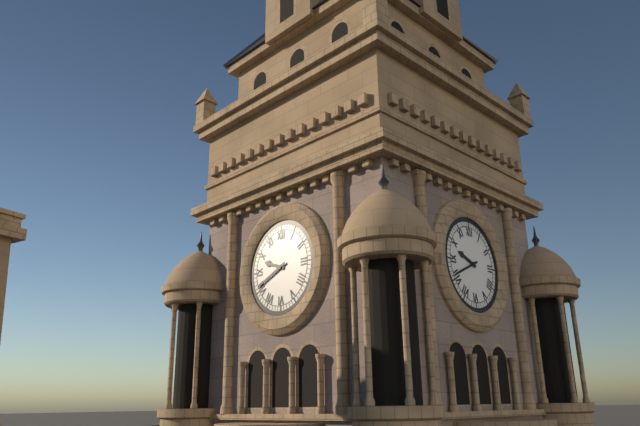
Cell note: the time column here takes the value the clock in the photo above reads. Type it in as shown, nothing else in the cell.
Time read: 9:41
